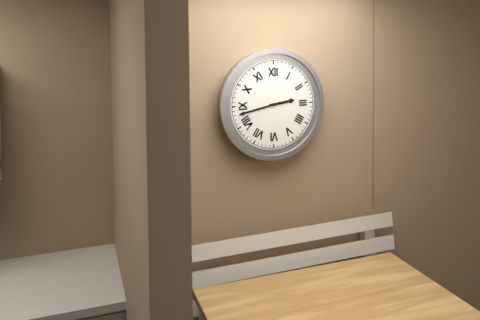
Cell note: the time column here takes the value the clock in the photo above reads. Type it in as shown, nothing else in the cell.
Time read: 2:43
